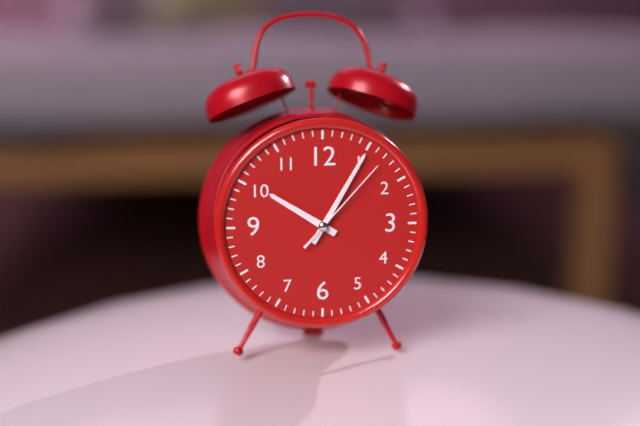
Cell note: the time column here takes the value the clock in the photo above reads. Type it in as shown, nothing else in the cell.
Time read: 10:05:07
